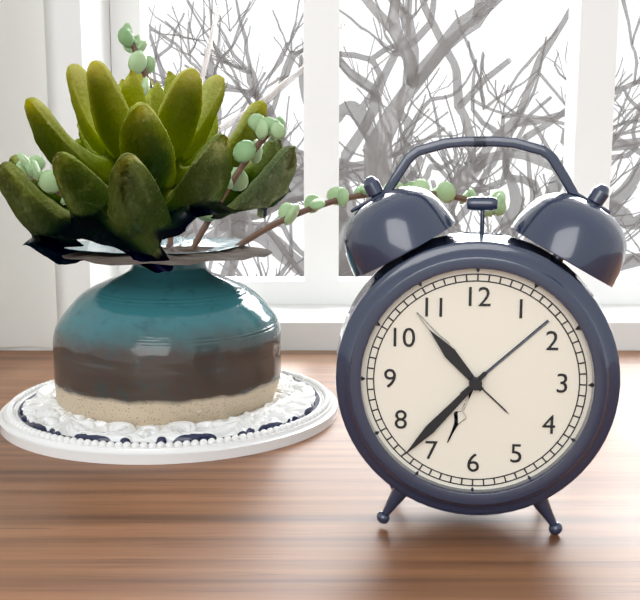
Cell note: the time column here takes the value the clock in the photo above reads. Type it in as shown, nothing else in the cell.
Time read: 10:37
